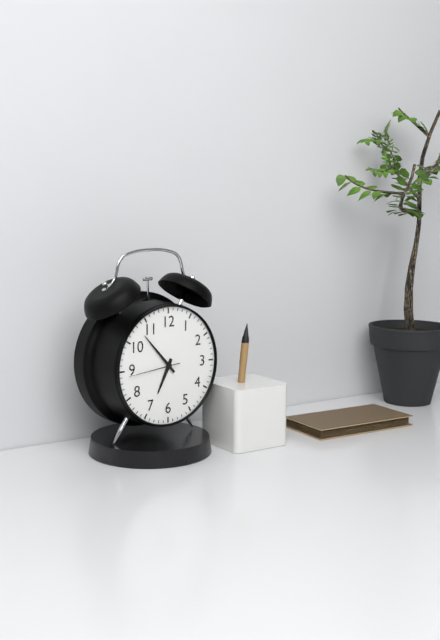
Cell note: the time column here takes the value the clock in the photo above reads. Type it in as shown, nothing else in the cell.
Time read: 6:53:44
